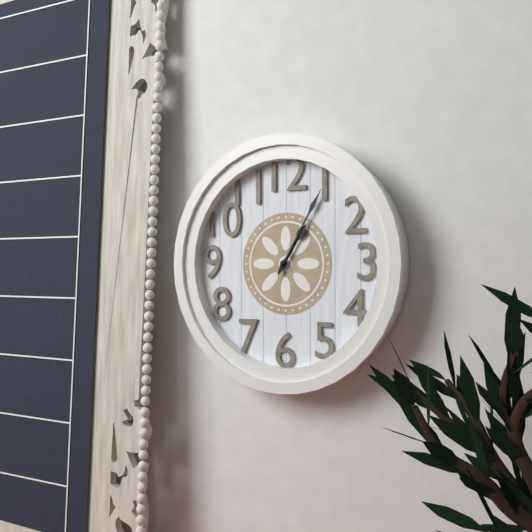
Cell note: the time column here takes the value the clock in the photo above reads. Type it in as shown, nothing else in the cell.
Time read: 1:05
